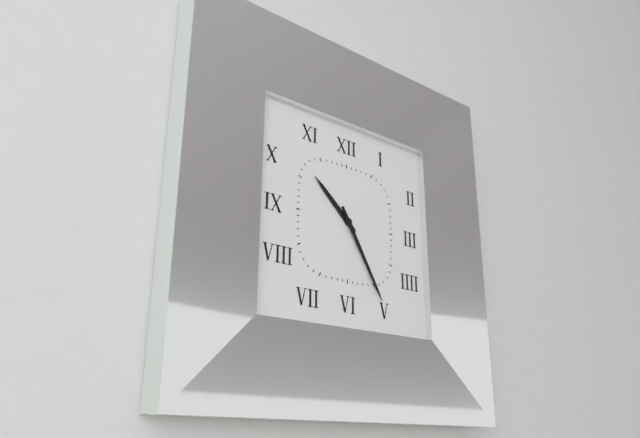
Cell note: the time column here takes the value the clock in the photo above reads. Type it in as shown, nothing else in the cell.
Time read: 10:25
